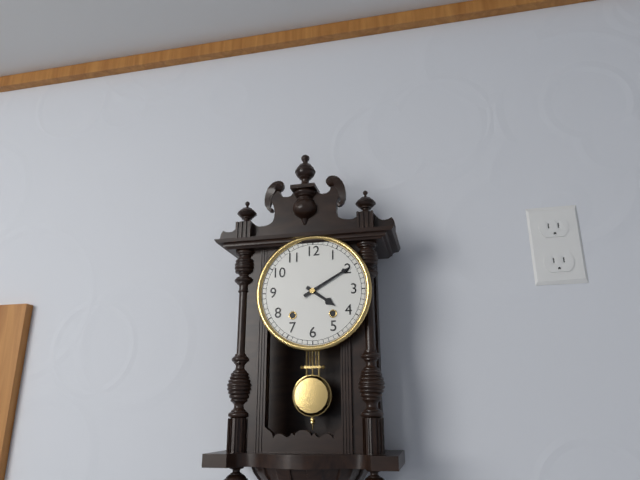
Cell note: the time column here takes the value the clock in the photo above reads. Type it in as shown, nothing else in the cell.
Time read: 4:10
